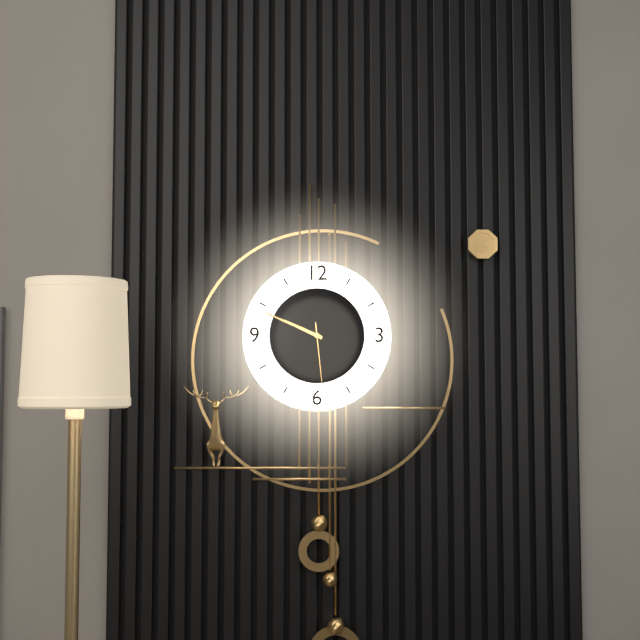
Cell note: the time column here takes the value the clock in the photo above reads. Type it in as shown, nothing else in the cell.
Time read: 9:49:29
